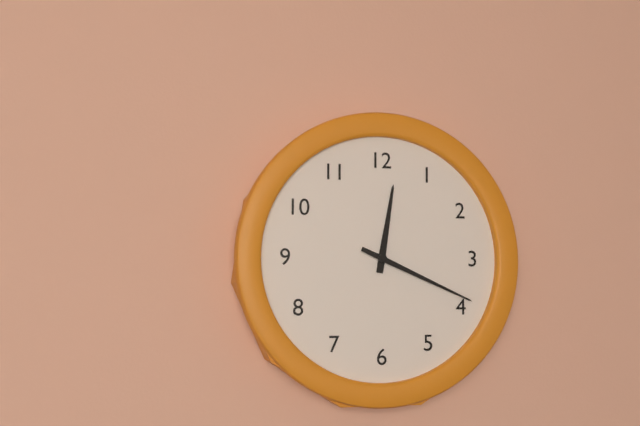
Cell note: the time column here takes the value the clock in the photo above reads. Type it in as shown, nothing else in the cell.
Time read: 12:19
